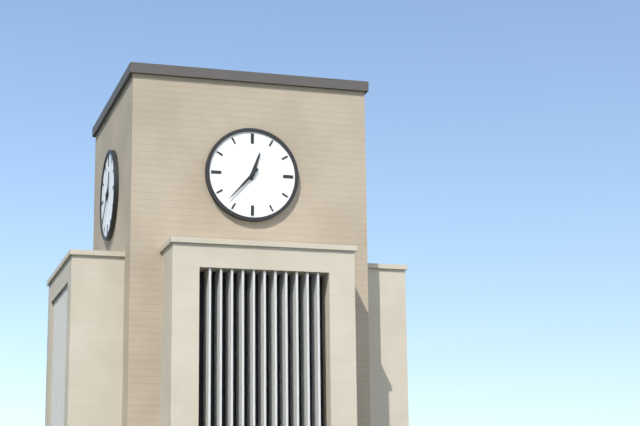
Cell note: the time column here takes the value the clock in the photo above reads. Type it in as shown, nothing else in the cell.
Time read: 12:37
